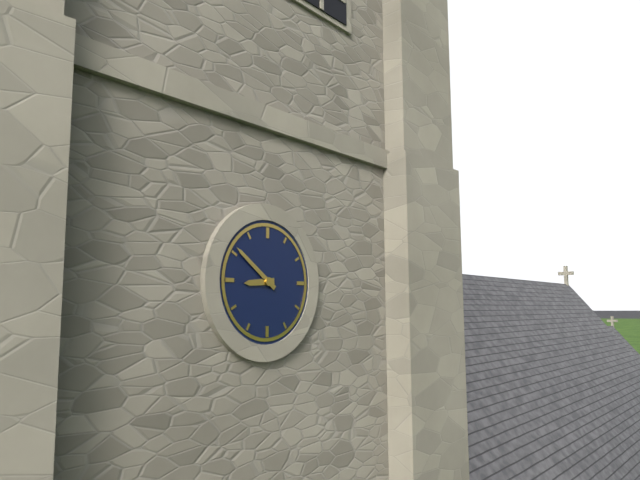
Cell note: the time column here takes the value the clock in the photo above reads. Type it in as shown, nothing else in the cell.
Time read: 8:51
